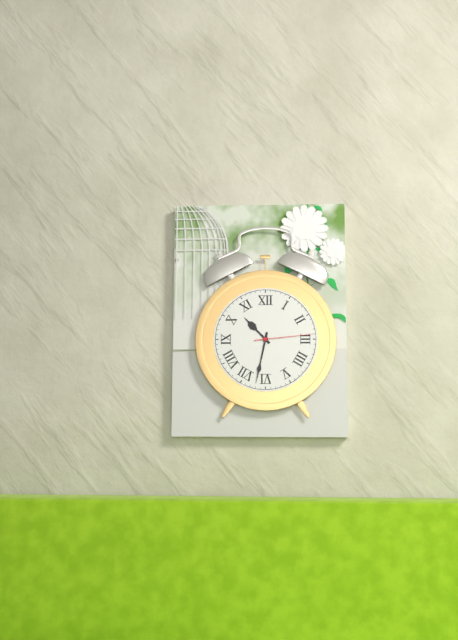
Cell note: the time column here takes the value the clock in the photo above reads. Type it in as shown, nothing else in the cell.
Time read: 10:32:14
